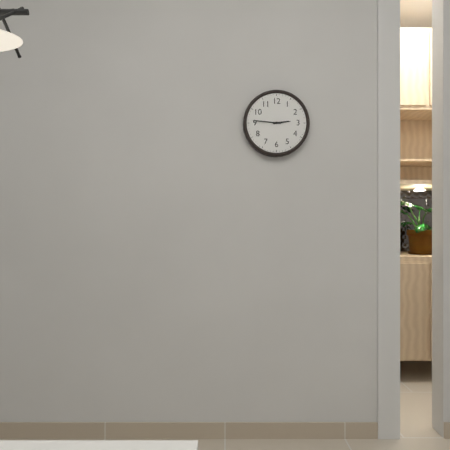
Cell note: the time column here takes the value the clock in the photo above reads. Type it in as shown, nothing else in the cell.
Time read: 2:46
